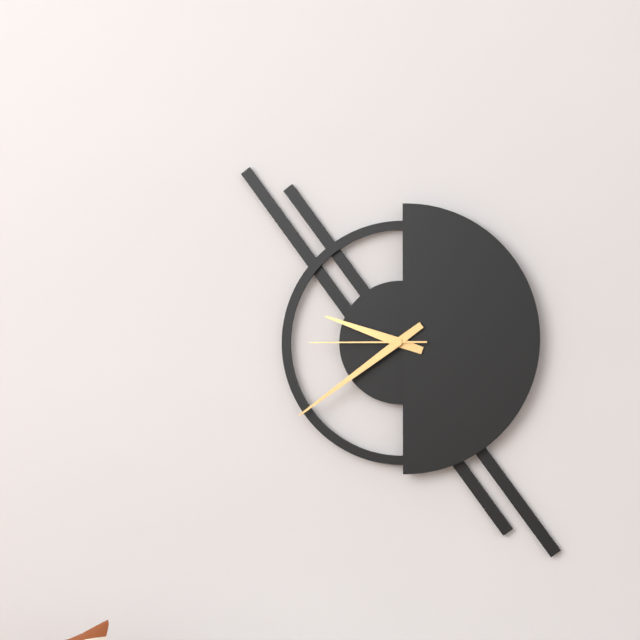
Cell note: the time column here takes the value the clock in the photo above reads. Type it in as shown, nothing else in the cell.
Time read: 9:39:45
